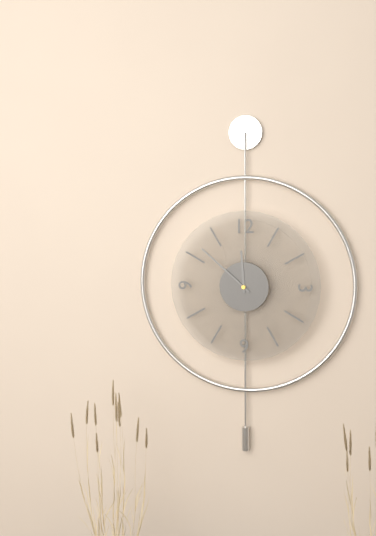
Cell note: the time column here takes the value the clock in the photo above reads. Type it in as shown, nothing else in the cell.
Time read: 11:52
